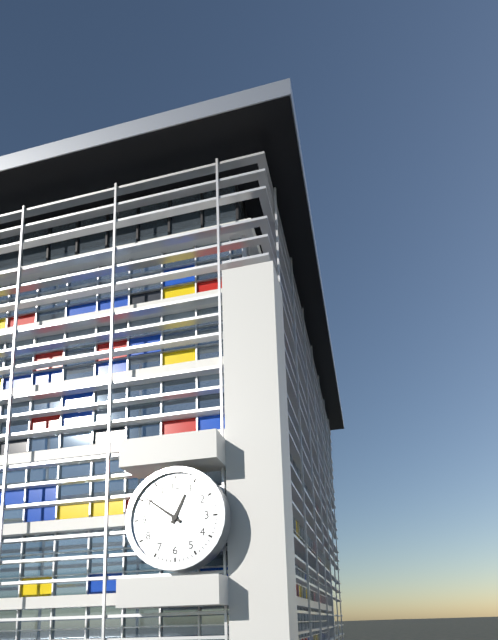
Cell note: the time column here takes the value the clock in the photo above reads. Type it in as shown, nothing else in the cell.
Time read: 12:51
